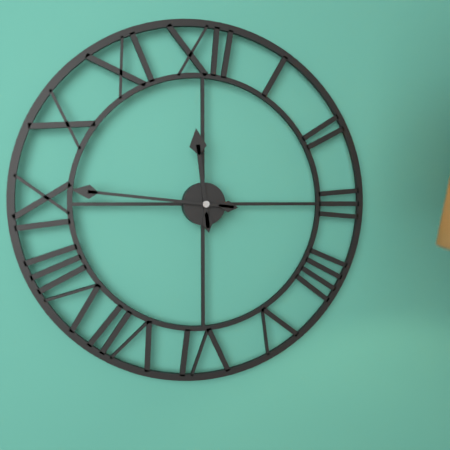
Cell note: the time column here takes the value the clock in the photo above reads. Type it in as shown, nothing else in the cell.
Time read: 11:46
